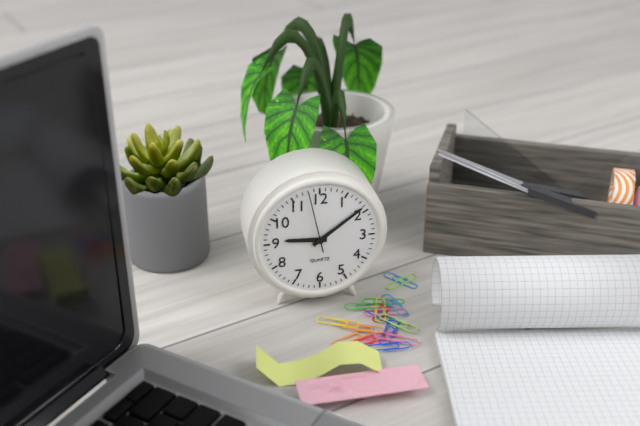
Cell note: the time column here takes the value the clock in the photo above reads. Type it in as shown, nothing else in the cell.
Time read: 9:09:58
